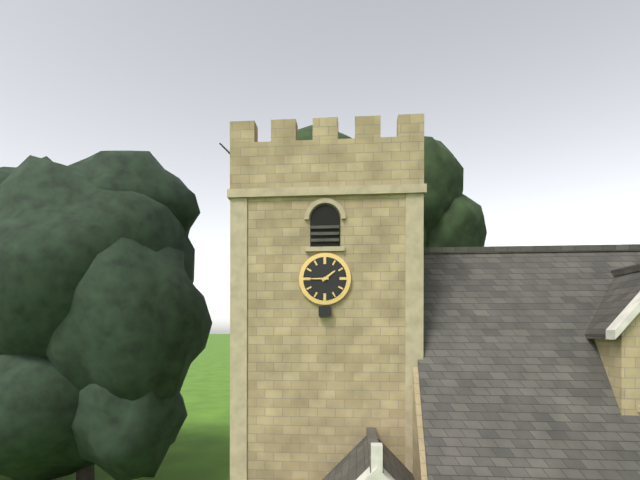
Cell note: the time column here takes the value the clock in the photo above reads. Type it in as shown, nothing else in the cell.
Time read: 1:45
